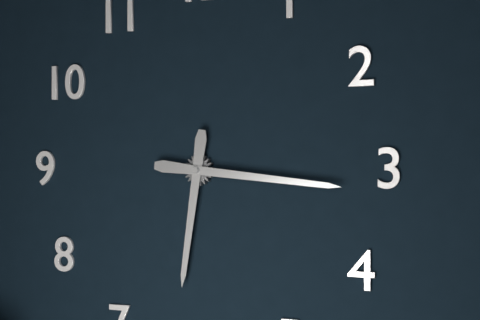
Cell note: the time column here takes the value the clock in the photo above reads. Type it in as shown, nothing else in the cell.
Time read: 6:16
